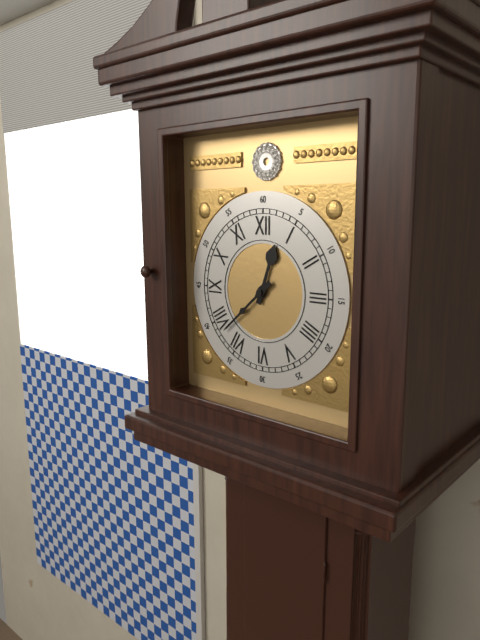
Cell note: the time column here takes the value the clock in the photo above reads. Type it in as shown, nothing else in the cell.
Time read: 12:38
